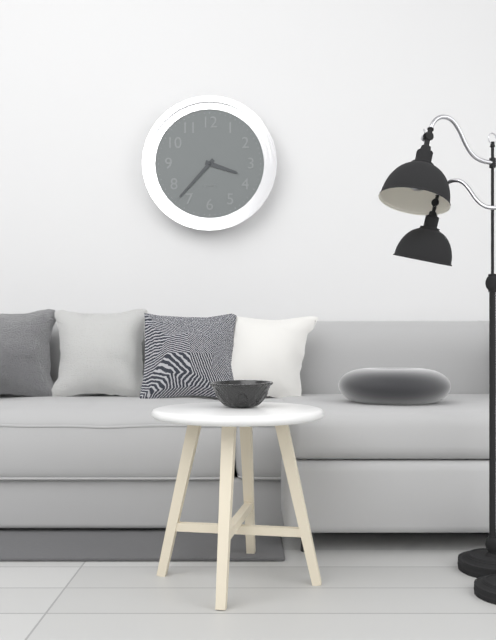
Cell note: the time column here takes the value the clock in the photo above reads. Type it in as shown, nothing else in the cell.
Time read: 3:37
